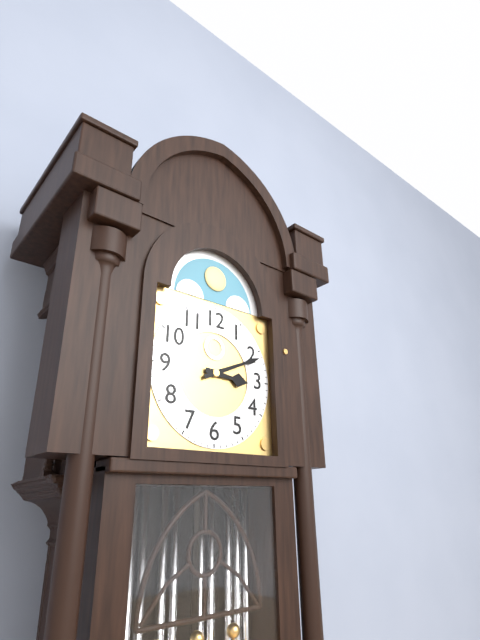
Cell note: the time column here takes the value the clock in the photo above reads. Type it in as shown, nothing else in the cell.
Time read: 3:11
